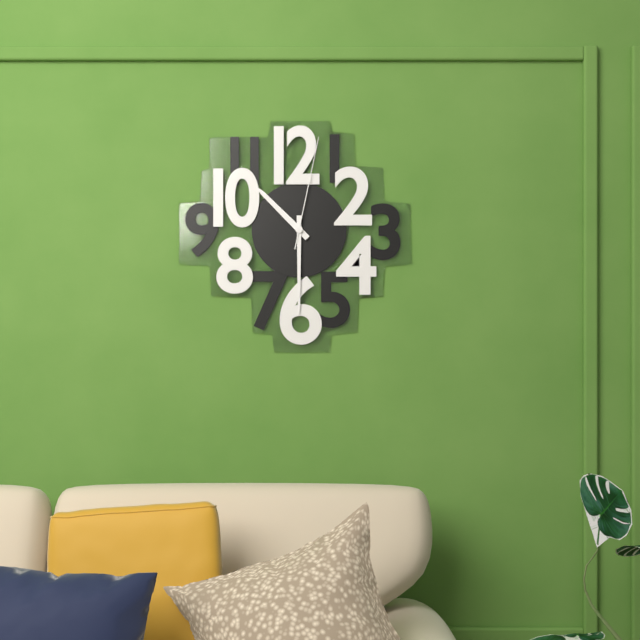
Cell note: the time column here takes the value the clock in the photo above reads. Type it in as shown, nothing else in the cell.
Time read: 10:30:02
